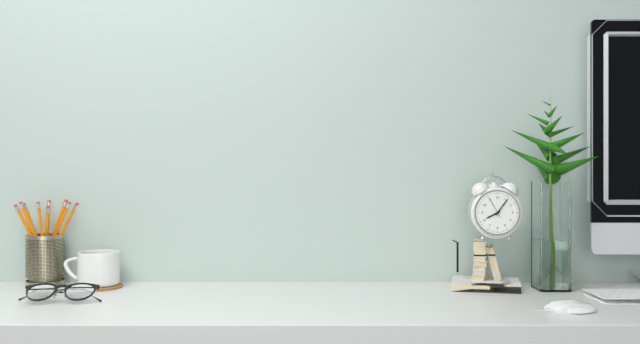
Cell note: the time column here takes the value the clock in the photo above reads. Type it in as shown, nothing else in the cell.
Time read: 8:06
